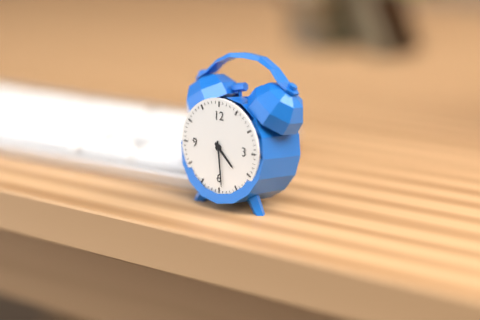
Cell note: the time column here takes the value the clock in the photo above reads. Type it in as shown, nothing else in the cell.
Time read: 4:29
